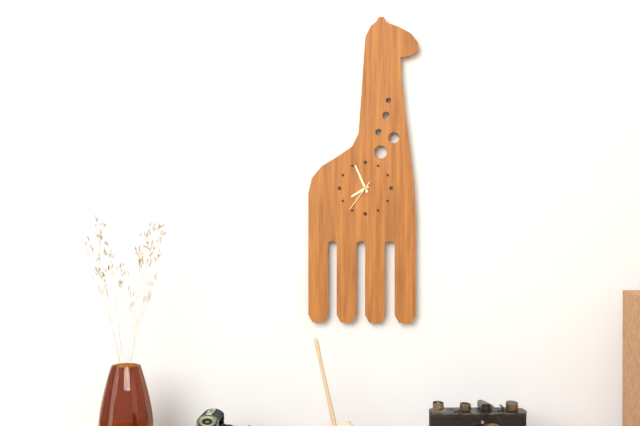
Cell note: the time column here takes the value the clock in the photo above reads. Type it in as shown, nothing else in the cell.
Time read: 7:56
